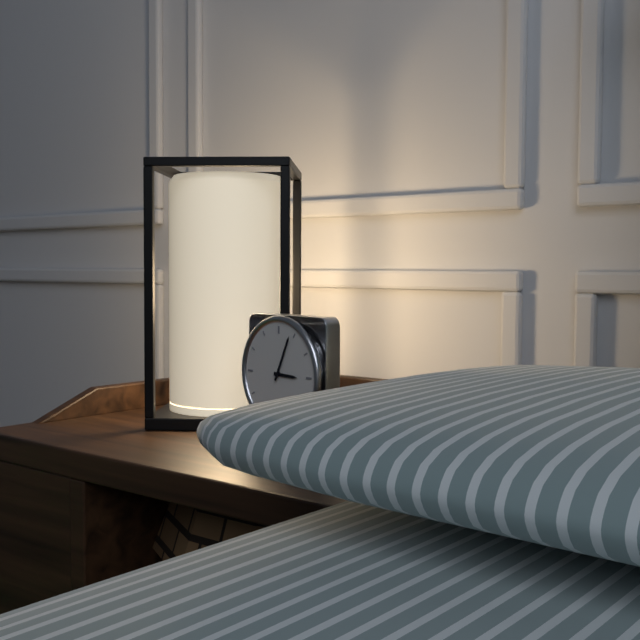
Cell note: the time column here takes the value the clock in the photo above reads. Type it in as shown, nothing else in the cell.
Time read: 3:04
